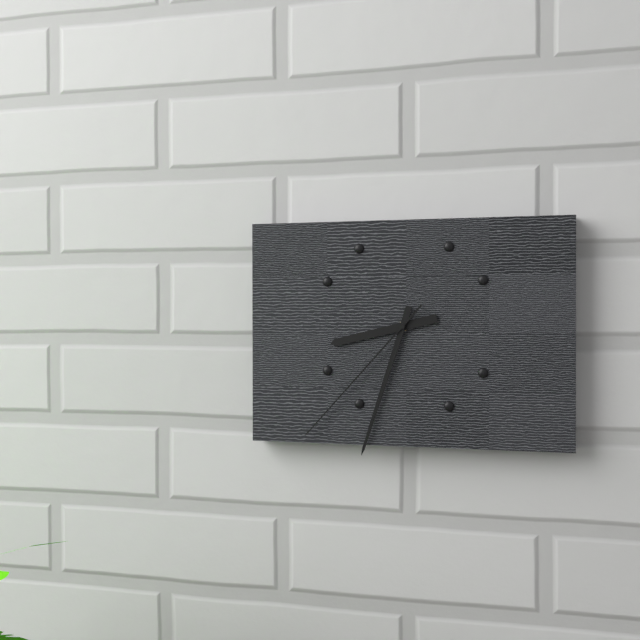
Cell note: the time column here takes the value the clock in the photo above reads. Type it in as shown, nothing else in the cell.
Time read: 8:33:37
